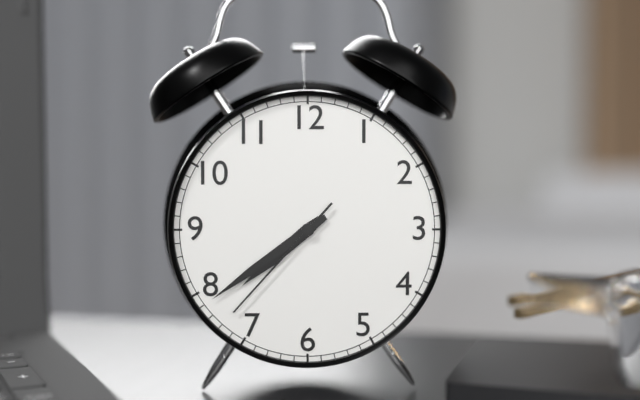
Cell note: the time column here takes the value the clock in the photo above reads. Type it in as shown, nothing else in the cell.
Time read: 7:39:37
